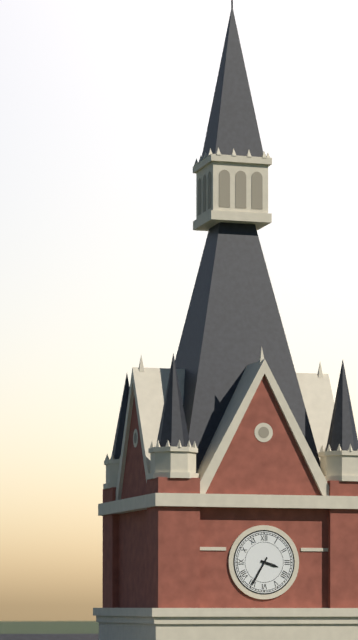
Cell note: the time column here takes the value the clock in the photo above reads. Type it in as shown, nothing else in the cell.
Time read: 3:35
